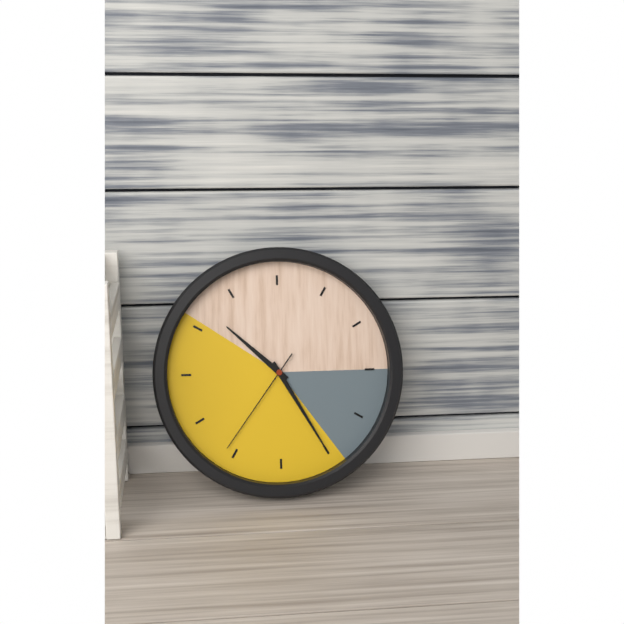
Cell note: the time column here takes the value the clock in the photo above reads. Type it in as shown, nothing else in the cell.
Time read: 10:25:36
